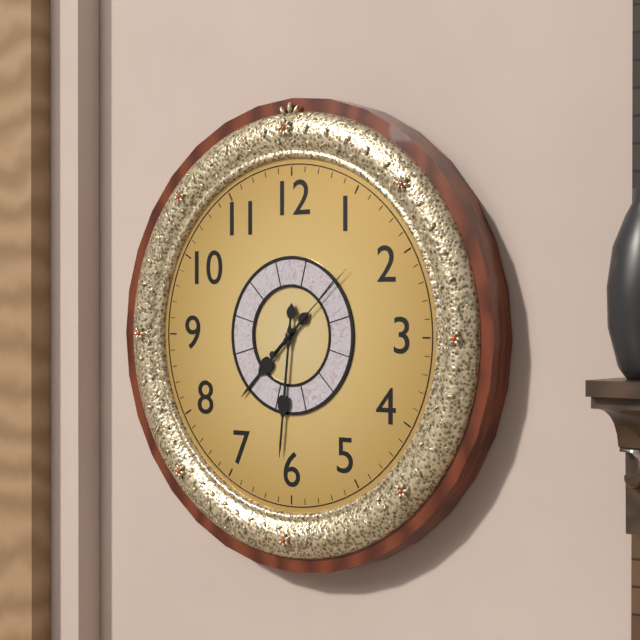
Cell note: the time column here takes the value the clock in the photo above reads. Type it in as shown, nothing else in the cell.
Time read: 7:31:08
